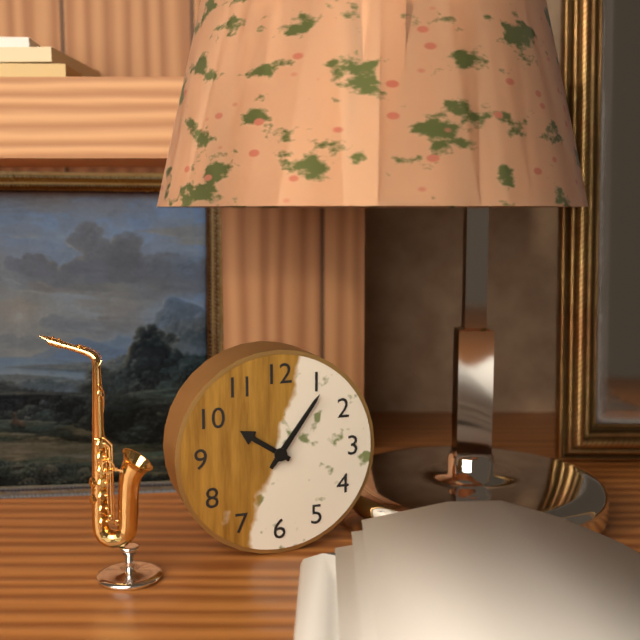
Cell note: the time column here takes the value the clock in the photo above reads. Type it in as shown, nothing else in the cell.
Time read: 10:06
